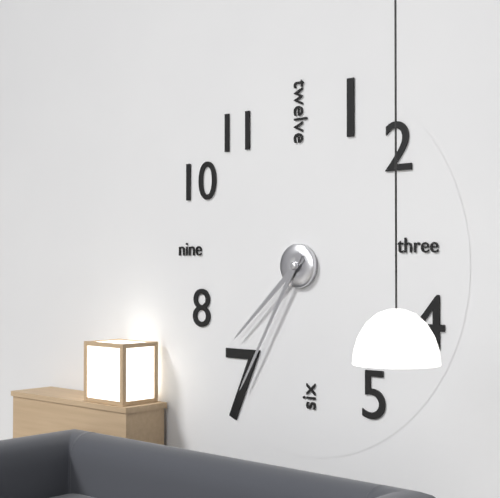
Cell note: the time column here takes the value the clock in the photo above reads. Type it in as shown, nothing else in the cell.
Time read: 7:35
